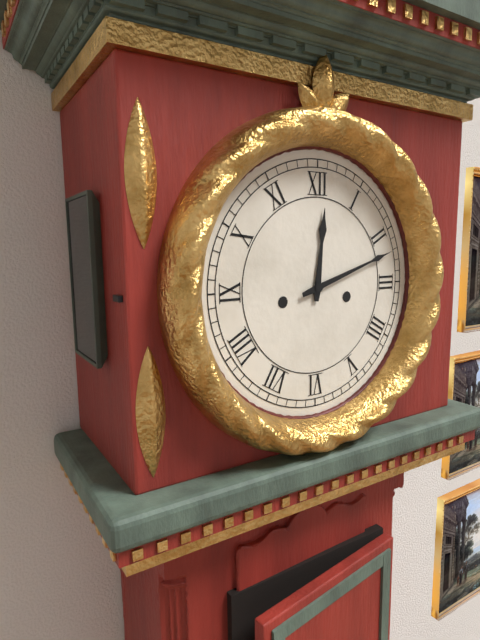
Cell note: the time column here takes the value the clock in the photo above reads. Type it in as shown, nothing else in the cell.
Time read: 12:12
